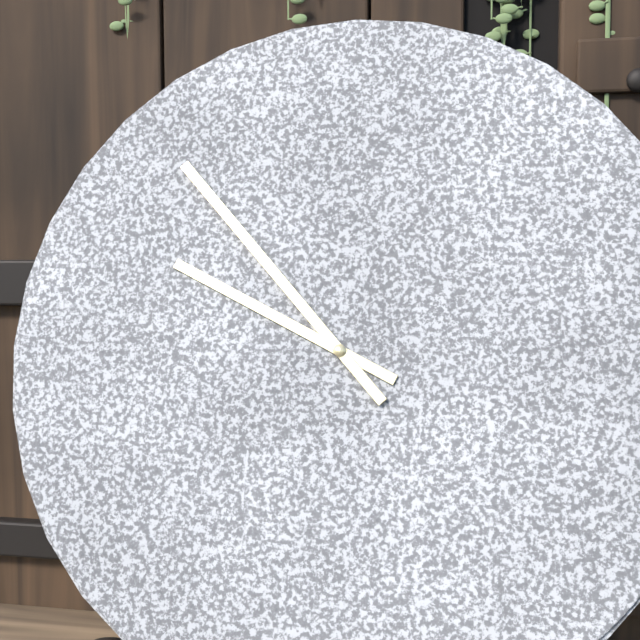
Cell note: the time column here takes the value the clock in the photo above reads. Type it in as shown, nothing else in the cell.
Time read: 9:53
